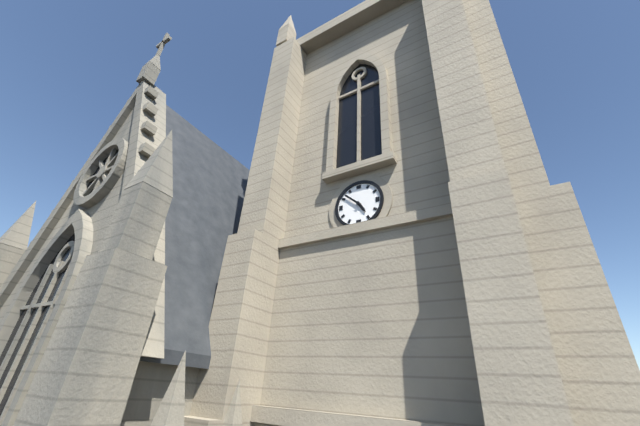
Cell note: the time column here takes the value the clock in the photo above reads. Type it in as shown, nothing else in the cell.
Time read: 4:52
